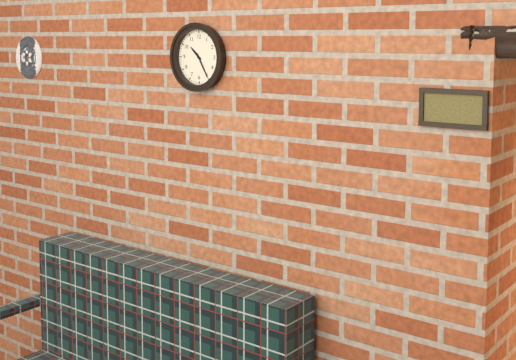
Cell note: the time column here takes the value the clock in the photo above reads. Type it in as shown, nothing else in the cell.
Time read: 10:25
